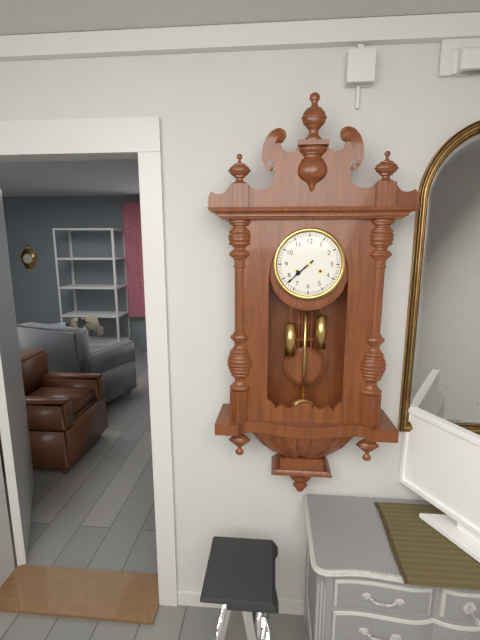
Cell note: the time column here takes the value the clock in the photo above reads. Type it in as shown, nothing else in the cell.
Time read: 7:38
